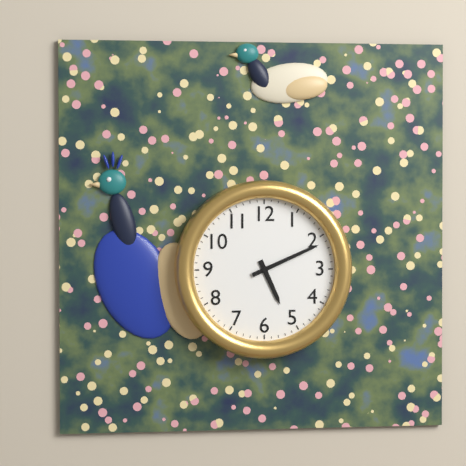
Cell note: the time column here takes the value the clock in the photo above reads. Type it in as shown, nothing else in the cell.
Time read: 5:11
